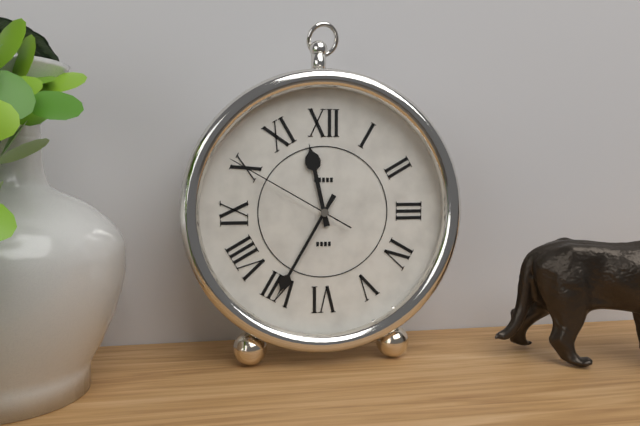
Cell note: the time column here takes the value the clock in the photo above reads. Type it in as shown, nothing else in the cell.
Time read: 11:35:50
